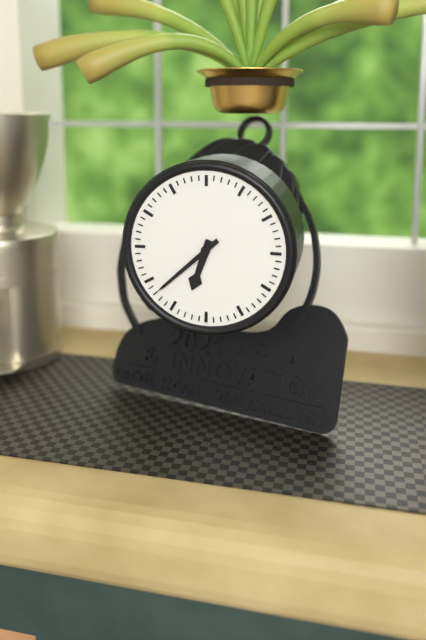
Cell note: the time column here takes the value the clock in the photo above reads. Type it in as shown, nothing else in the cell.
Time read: 6:38
